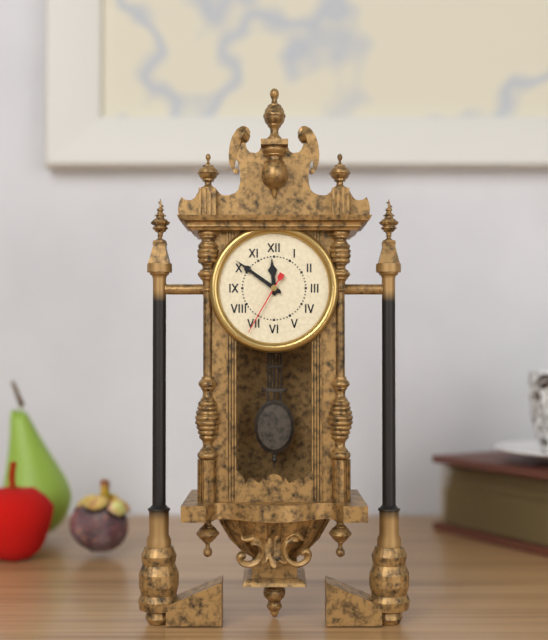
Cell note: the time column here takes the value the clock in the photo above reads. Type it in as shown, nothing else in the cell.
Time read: 11:51:35
